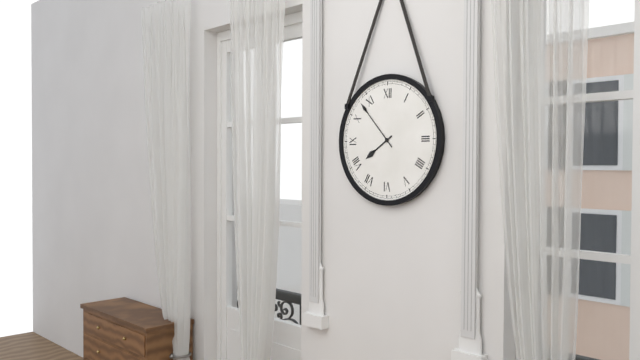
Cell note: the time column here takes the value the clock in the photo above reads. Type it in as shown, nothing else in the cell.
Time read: 7:53
